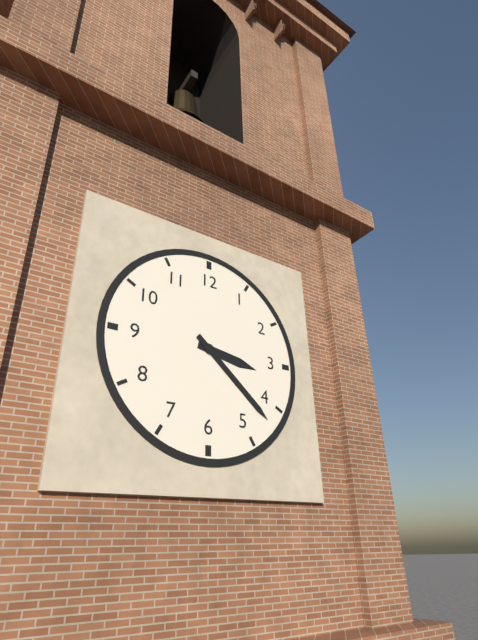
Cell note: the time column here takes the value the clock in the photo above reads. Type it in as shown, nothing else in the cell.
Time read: 3:22
